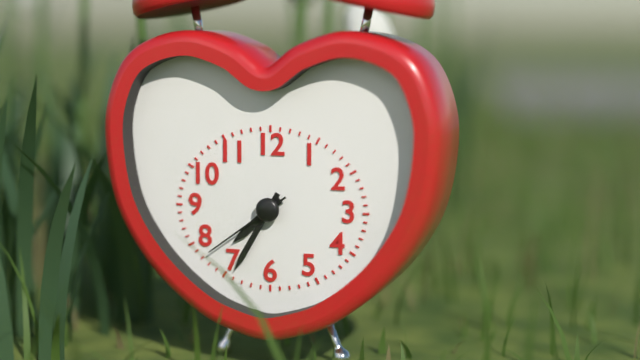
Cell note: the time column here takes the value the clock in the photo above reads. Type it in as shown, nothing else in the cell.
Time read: 7:35:39
